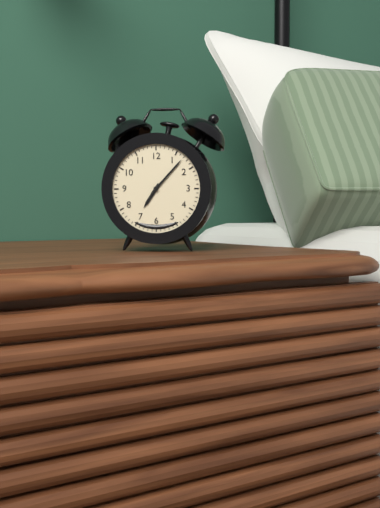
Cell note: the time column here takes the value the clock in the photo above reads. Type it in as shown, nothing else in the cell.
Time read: 7:07
